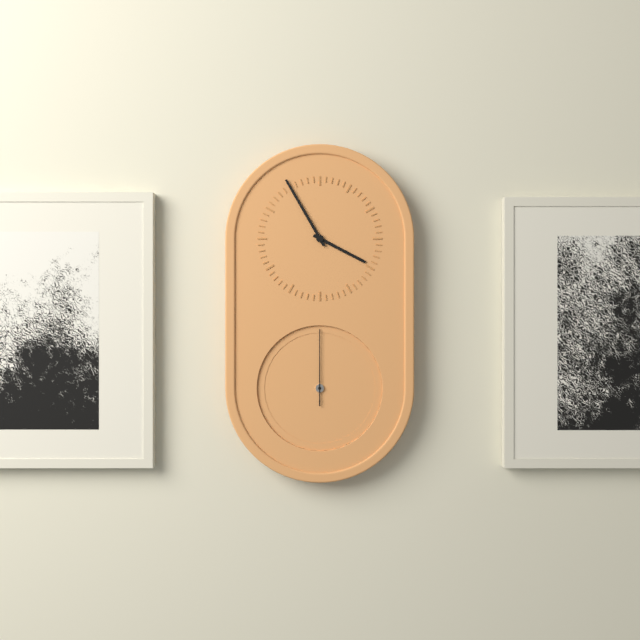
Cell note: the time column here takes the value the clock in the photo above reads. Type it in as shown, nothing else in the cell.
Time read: 3:55:00
